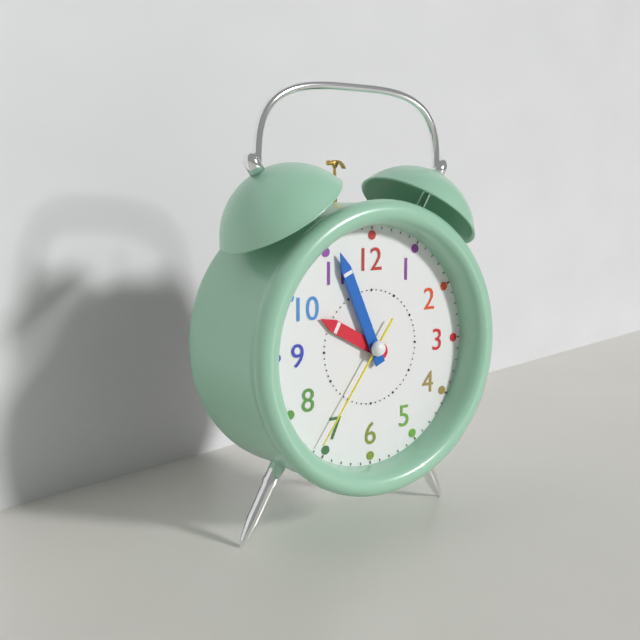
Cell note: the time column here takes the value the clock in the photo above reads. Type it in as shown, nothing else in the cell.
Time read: 9:56:36
